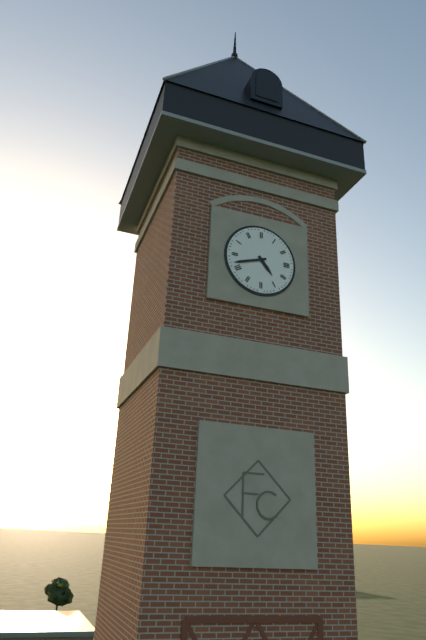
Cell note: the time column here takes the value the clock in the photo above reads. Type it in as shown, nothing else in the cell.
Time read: 4:42
